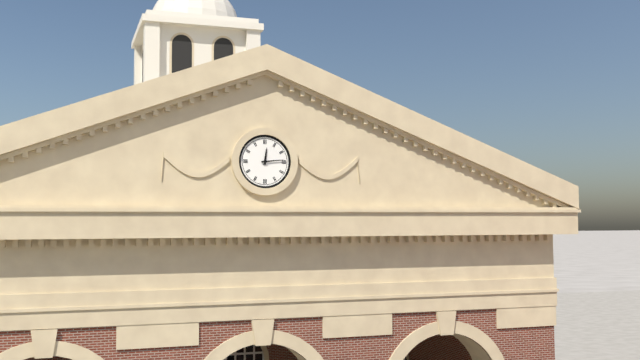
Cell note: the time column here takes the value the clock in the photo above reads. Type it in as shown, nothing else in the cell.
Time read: 12:14
